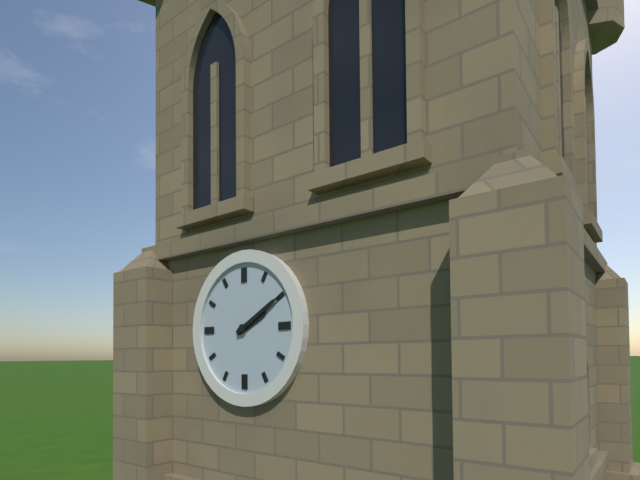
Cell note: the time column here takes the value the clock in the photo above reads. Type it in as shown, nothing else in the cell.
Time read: 2:10
